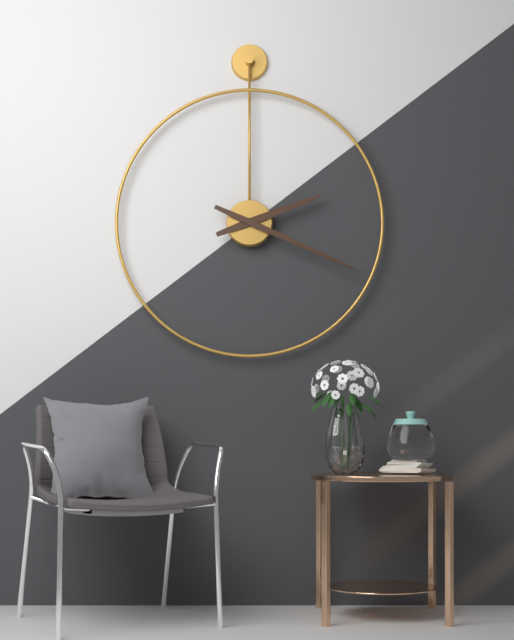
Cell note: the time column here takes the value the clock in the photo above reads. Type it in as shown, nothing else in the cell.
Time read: 2:19
